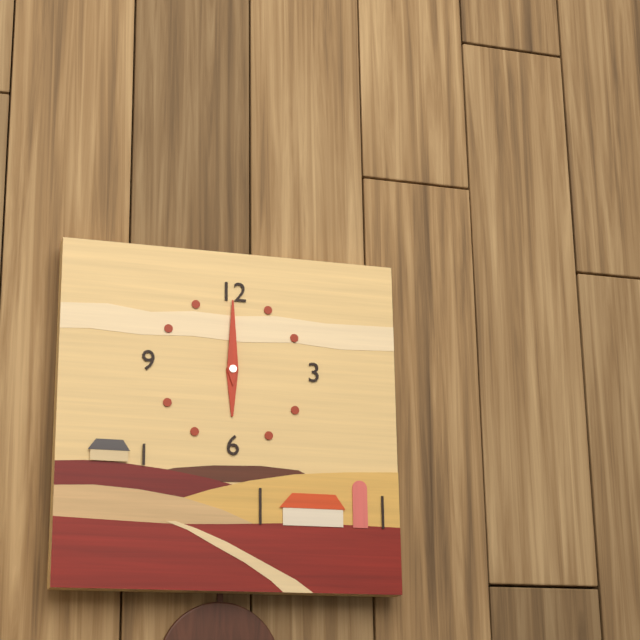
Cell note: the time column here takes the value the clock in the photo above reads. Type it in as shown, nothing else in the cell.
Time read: 6:00
